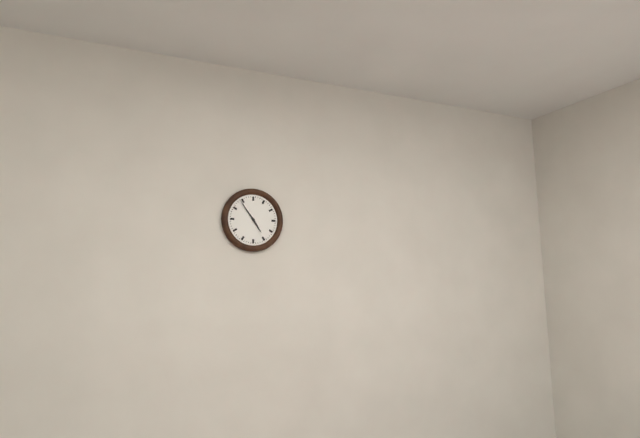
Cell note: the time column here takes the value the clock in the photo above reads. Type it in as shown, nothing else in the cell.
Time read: 4:54
